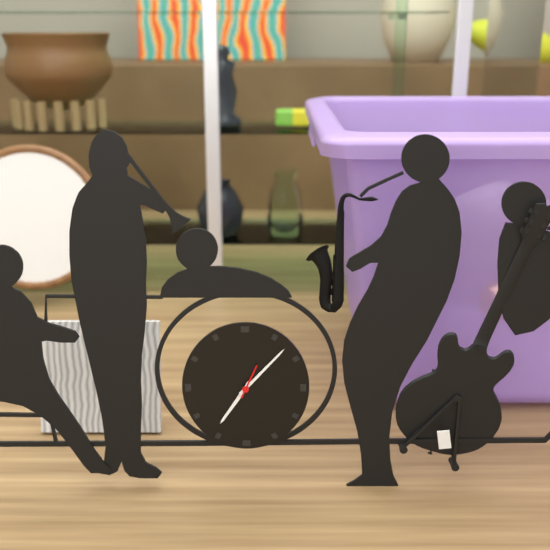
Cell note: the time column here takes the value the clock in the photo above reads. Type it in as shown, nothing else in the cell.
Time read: 7:07
